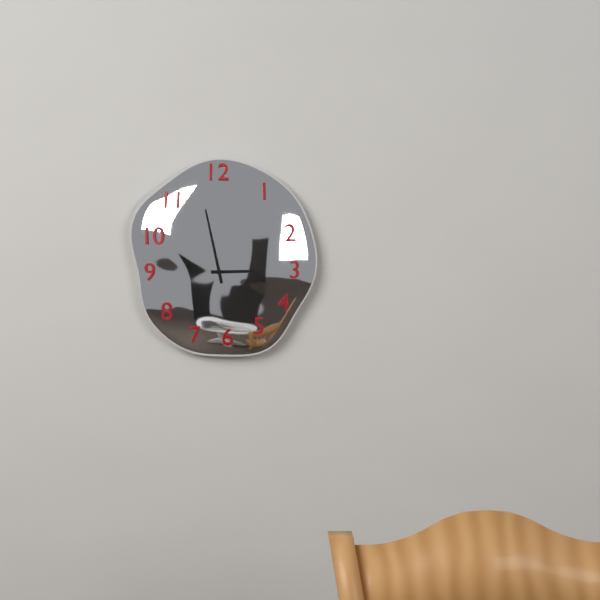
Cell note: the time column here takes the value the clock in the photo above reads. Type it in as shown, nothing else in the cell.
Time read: 2:58
